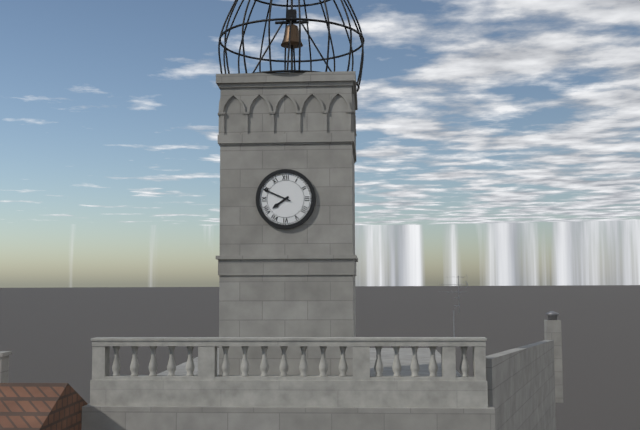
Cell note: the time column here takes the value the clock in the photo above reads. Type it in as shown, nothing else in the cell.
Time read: 7:49
